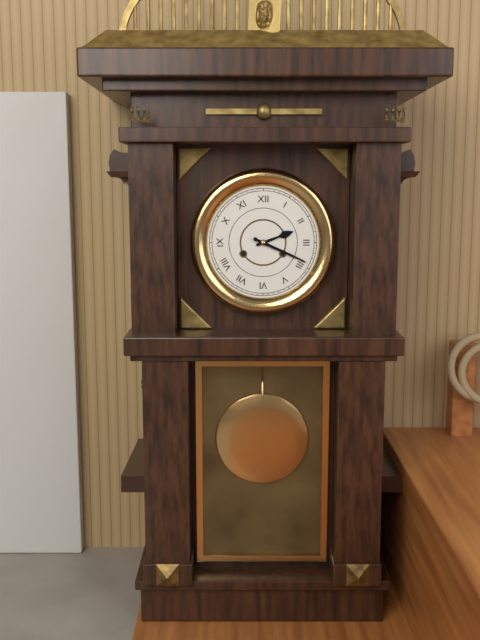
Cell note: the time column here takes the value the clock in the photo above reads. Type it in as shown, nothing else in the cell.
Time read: 2:19
